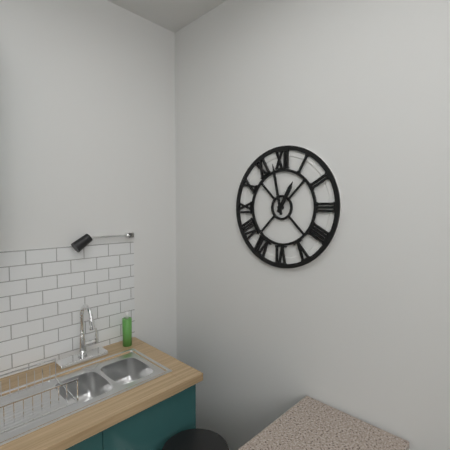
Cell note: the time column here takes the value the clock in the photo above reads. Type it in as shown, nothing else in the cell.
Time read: 12:58
